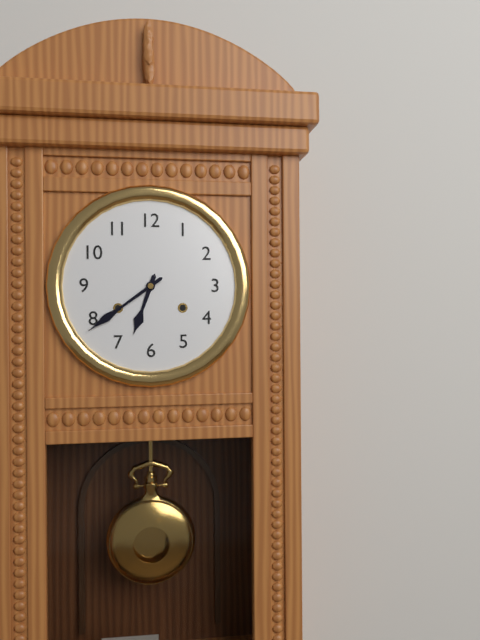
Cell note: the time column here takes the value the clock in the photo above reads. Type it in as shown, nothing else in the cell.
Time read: 6:39
